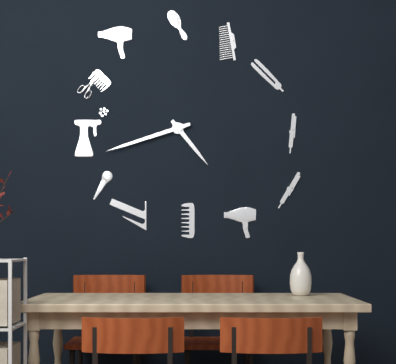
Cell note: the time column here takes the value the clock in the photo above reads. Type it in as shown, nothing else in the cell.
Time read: 4:42
